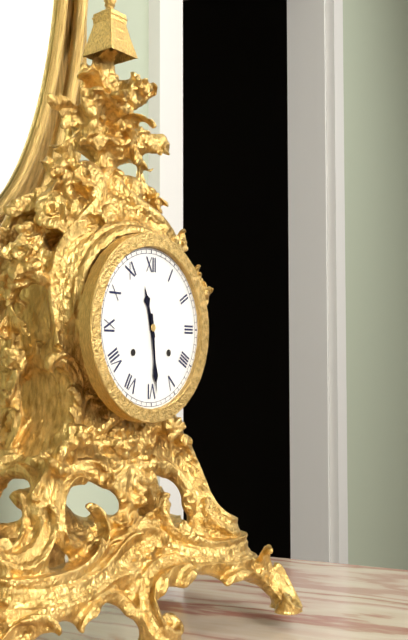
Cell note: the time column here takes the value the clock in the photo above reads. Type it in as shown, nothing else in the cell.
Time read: 11:29
